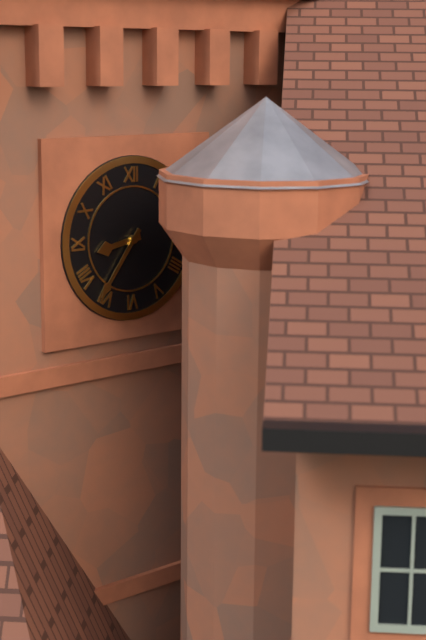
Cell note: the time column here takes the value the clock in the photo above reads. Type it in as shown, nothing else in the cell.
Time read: 8:36
